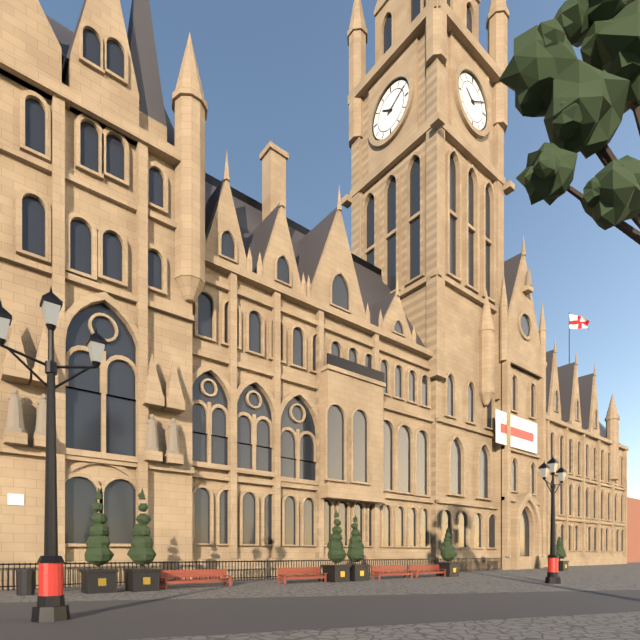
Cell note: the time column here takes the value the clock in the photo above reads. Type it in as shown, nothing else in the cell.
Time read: 10:10
